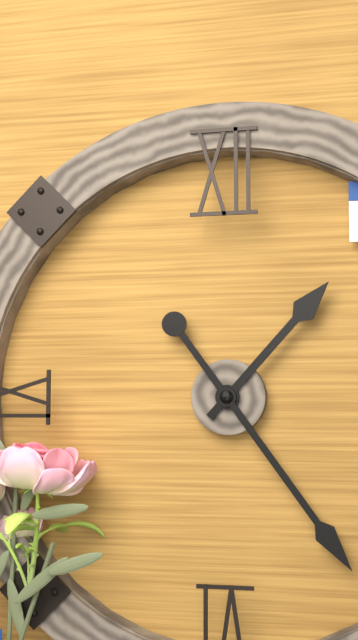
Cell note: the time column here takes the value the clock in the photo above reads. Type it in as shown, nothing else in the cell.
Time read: 1:24
